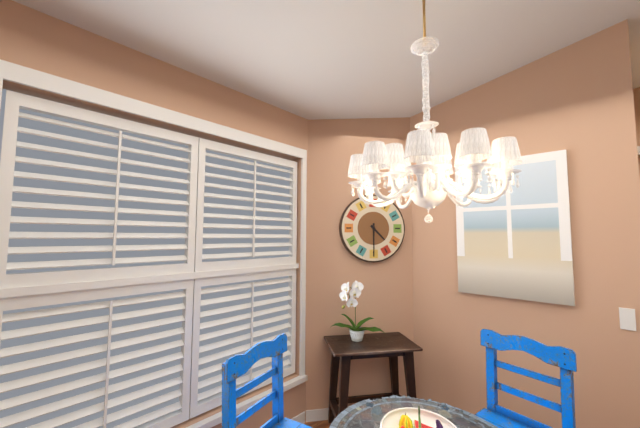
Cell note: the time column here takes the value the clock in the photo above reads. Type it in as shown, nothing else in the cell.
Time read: 4:30
